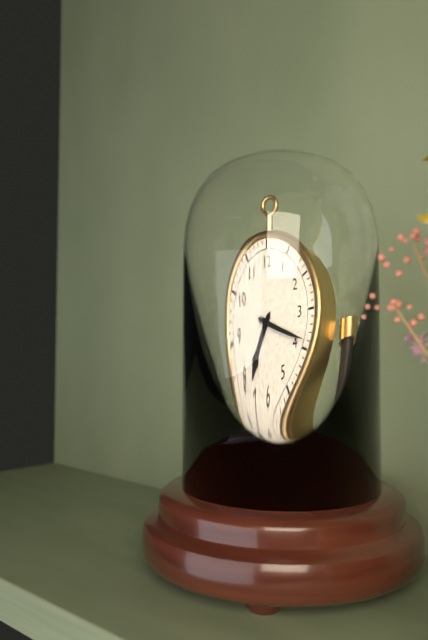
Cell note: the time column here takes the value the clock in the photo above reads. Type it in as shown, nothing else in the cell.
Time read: 7:19
